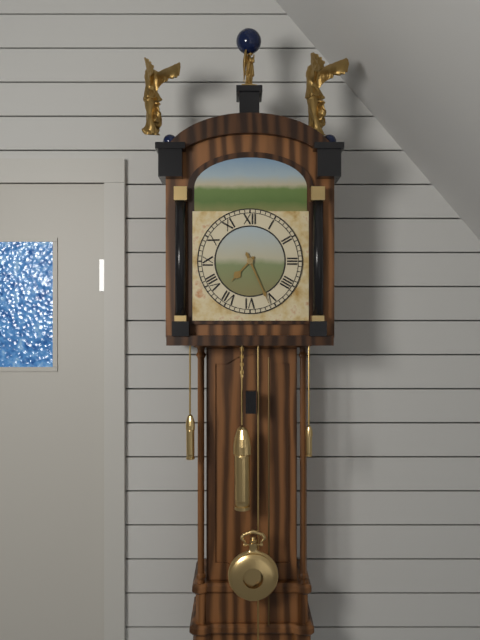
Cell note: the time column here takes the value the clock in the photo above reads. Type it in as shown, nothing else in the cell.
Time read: 7:26
